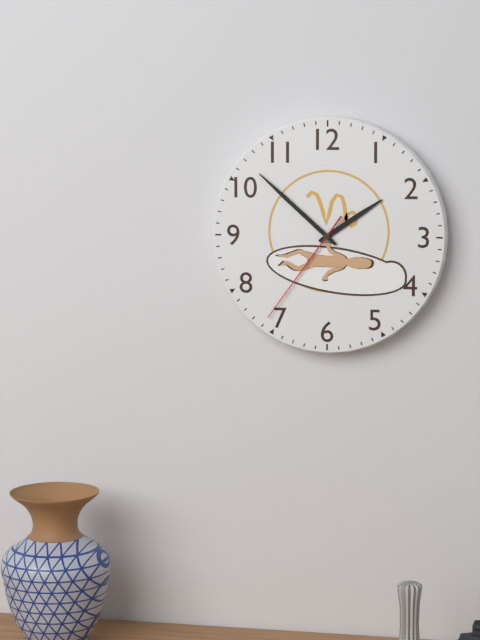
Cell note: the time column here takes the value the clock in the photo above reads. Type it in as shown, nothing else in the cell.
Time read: 1:52:36
